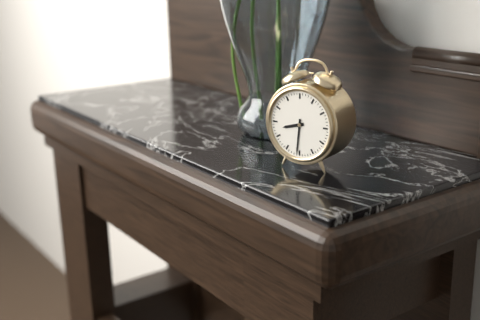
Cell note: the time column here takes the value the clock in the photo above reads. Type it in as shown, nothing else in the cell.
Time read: 8:31
